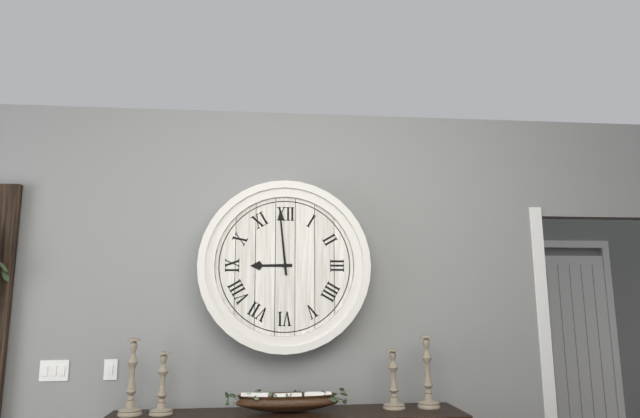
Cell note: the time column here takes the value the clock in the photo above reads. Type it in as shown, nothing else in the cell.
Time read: 8:59
